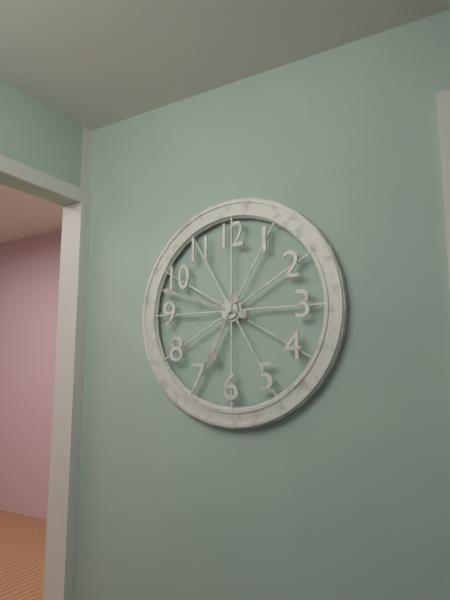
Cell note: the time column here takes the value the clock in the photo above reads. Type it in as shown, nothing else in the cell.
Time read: 6:48
